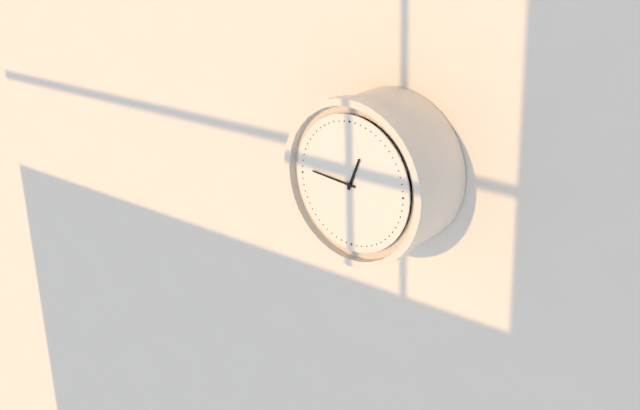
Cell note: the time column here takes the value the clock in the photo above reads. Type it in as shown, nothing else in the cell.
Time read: 12:46
